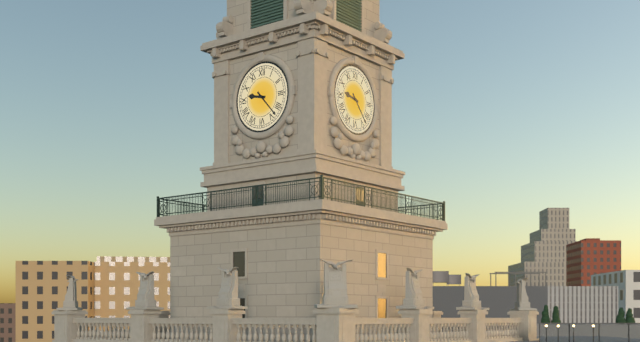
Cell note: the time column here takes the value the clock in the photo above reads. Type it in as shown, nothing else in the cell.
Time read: 9:23
